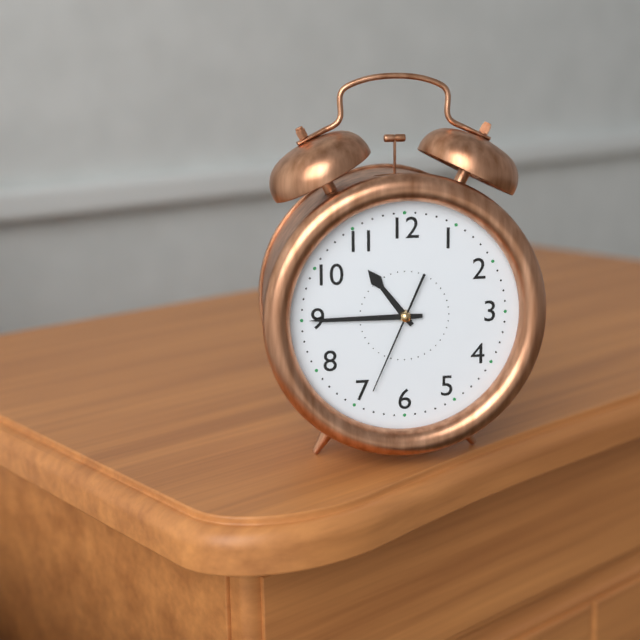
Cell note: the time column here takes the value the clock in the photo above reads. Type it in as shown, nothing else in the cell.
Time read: 10:45:34
